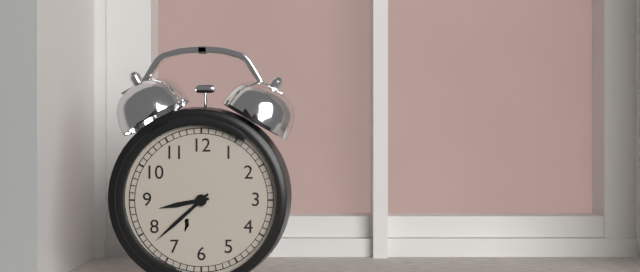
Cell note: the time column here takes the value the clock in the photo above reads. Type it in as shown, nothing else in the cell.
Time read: 8:38
